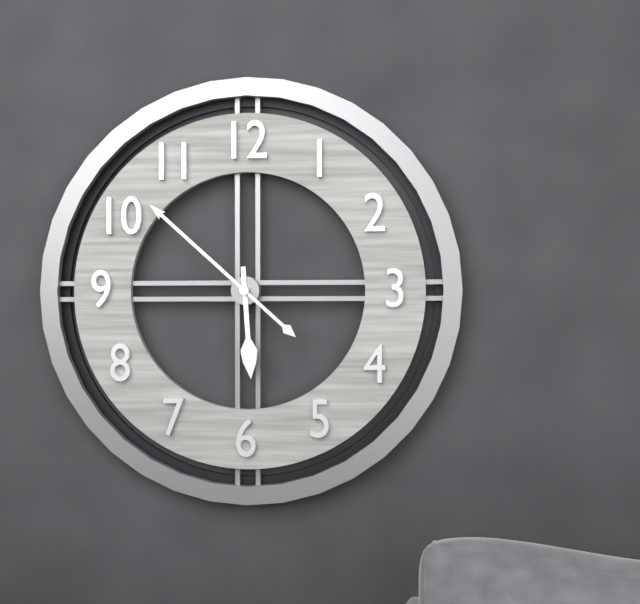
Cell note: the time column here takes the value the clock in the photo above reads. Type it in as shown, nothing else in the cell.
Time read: 5:52
